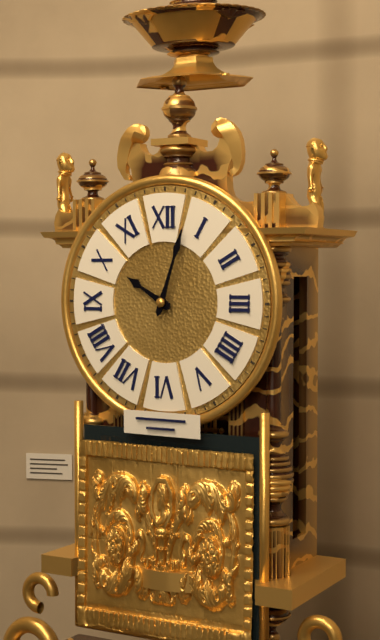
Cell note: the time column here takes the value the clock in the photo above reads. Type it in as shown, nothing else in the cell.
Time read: 10:03
